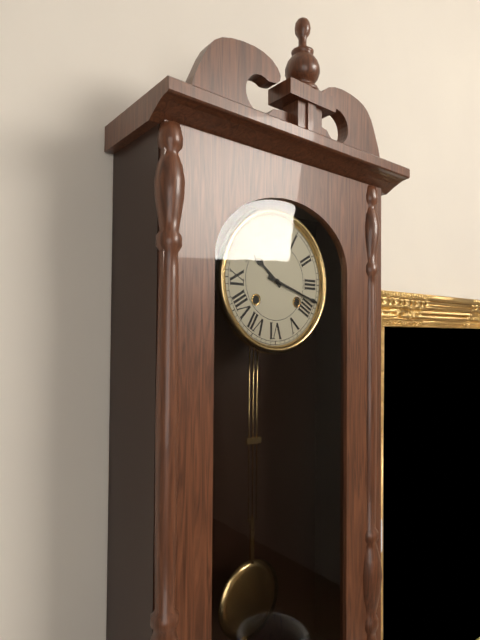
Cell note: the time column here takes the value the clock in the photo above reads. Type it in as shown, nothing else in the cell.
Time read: 10:18
